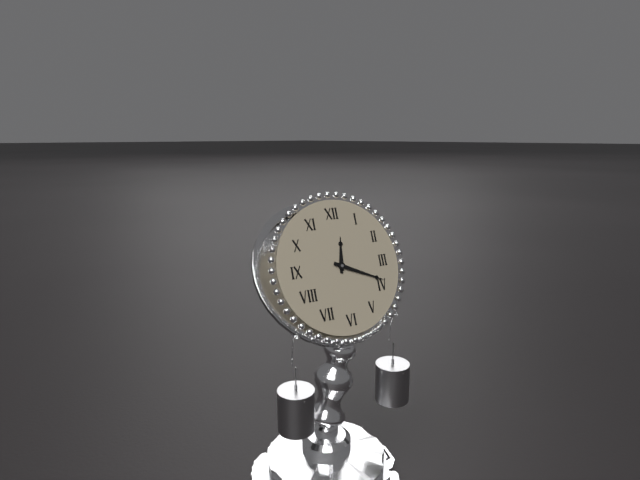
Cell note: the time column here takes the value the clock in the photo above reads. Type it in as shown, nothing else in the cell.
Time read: 12:19
